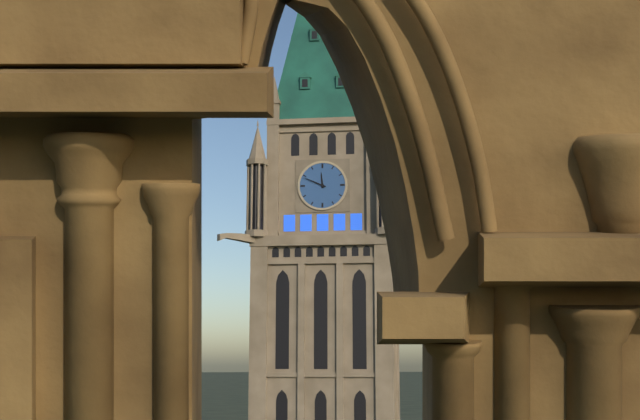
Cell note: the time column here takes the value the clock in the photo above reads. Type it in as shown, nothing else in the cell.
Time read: 11:49
